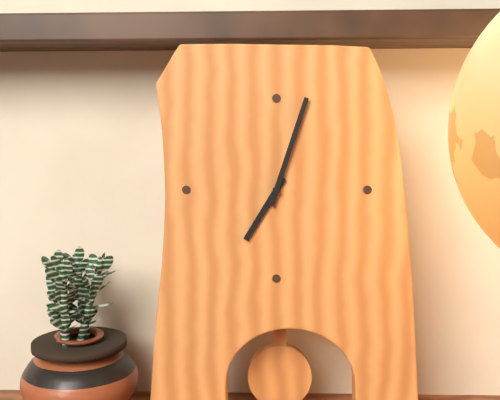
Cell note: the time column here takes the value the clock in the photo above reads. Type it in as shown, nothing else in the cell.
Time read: 7:03
